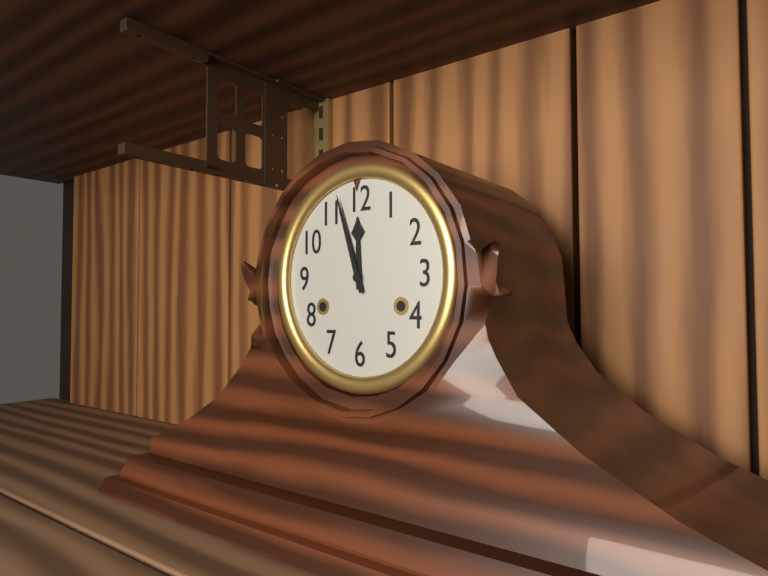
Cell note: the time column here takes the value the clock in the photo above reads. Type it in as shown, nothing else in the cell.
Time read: 11:57
